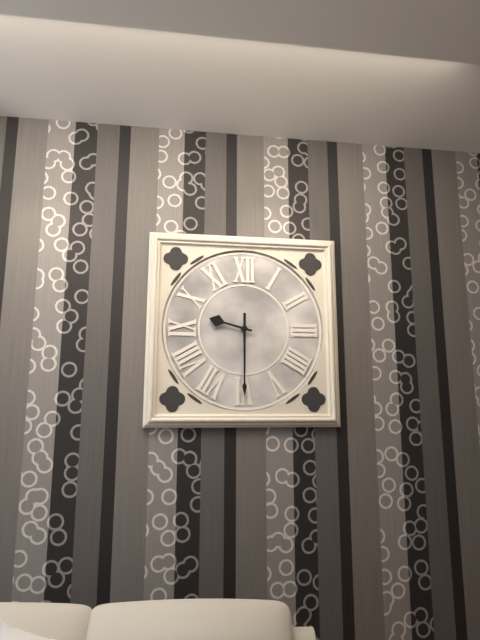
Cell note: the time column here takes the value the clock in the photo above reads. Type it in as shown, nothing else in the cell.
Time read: 9:30
